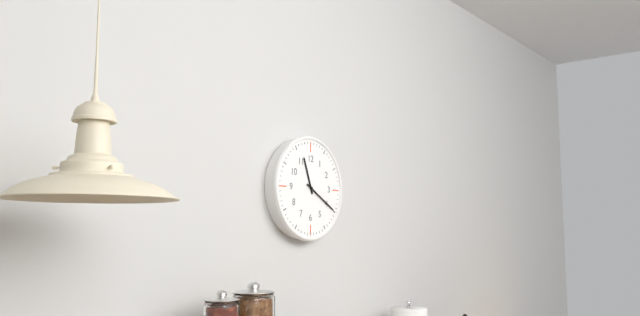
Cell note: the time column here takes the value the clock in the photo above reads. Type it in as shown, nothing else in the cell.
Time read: 11:20
